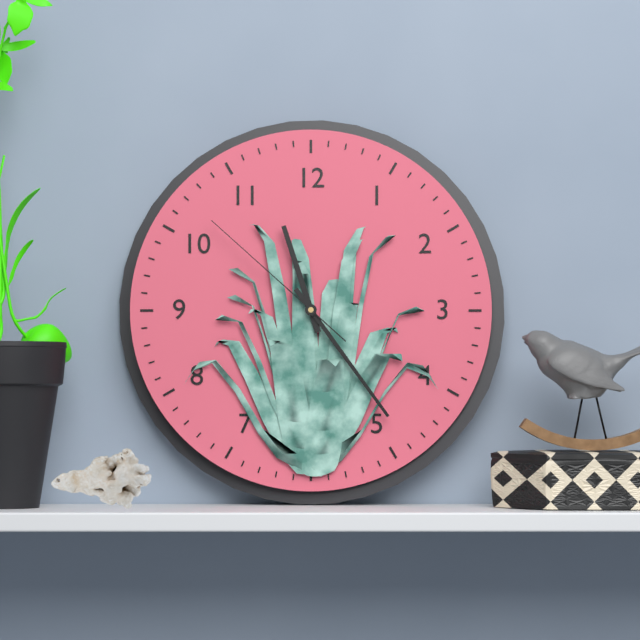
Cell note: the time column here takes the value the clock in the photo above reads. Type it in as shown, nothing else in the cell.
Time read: 11:24:52
